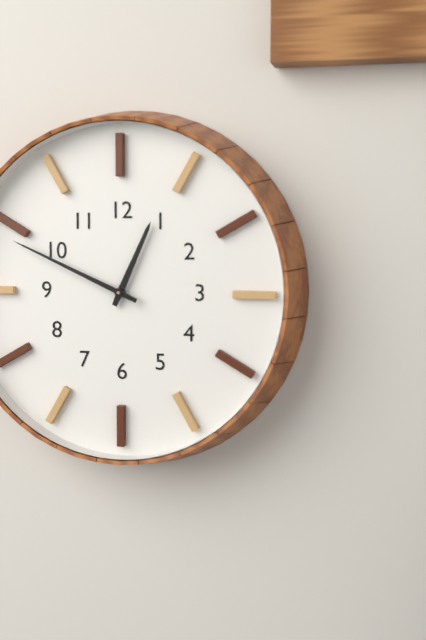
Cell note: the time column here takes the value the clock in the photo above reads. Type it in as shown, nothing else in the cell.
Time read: 12:49
